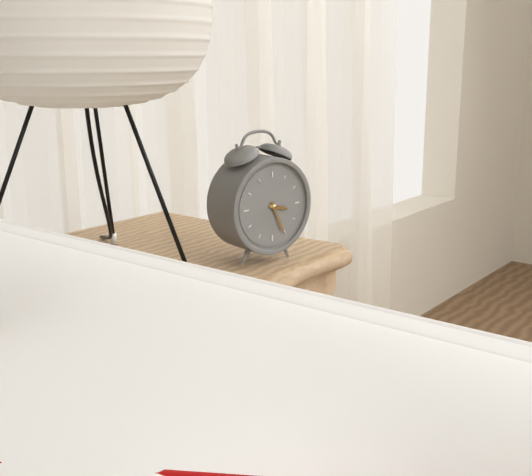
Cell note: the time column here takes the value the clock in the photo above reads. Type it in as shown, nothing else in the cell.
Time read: 3:26
